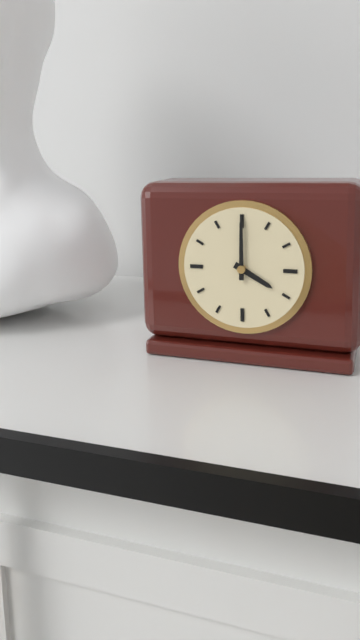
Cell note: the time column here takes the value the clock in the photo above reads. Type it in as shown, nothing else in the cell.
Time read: 4:00
